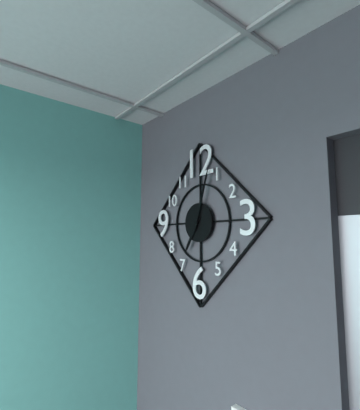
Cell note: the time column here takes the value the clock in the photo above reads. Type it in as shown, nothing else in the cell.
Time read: 7:03
